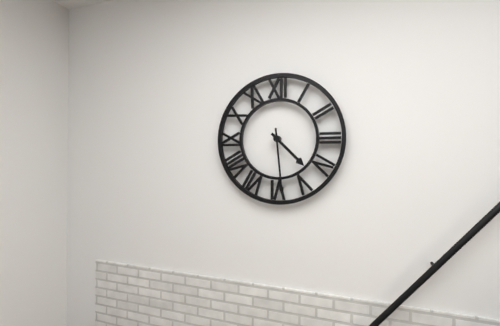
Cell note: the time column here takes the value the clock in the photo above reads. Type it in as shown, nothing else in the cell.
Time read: 4:29
